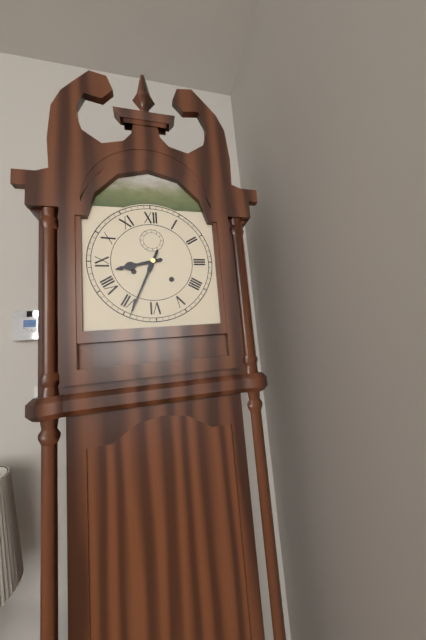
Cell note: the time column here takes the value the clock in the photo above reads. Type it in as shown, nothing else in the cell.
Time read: 8:34
